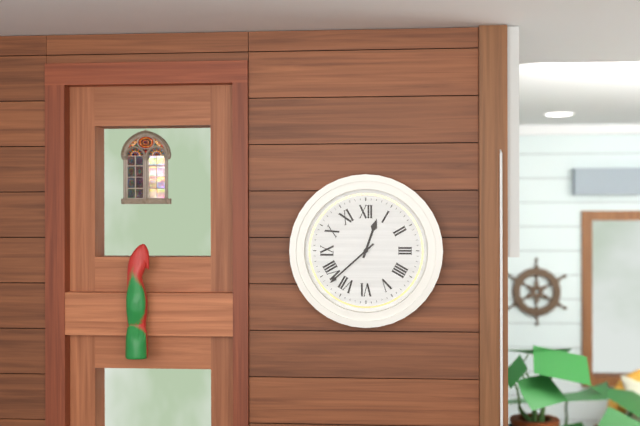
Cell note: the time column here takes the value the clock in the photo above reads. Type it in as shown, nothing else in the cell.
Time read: 12:38
